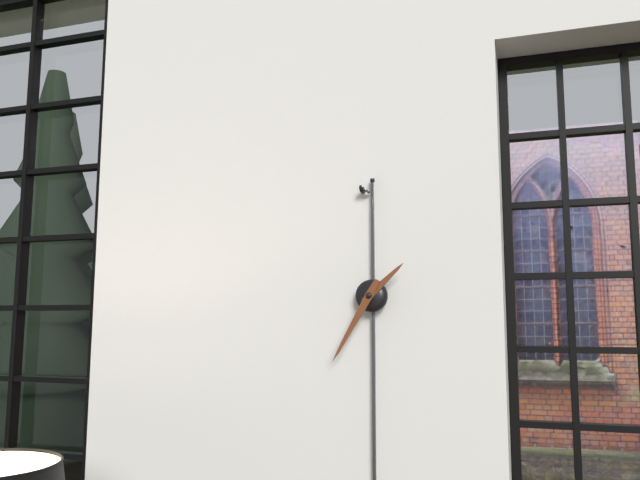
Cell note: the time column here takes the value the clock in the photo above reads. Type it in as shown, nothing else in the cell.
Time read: 1:35
